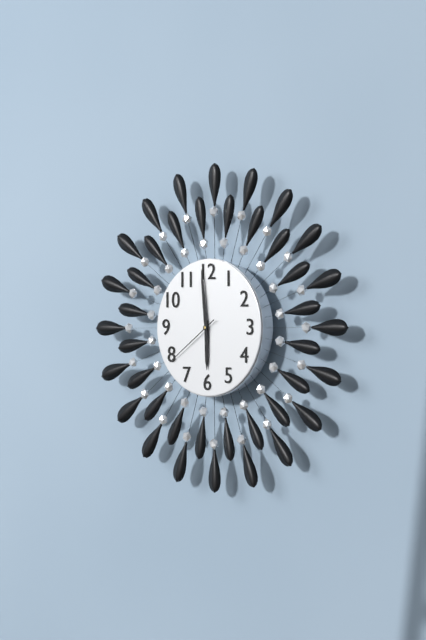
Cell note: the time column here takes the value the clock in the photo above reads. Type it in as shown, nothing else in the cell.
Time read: 5:59:39
